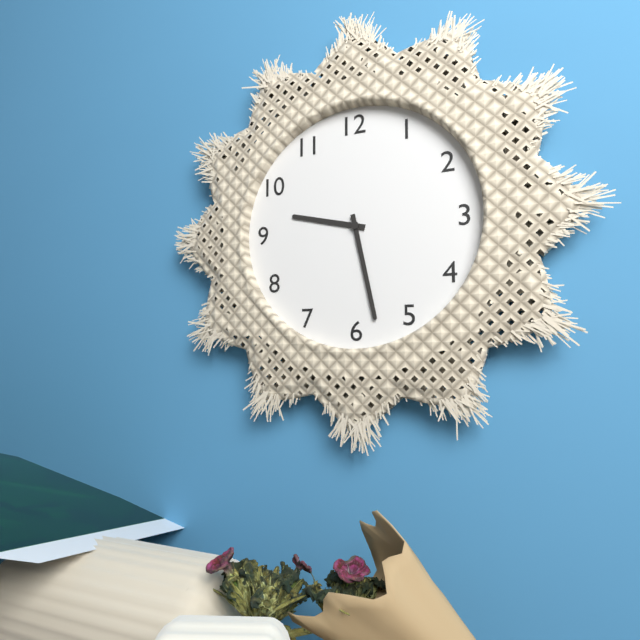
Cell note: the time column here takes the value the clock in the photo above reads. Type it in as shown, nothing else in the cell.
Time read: 9:28
